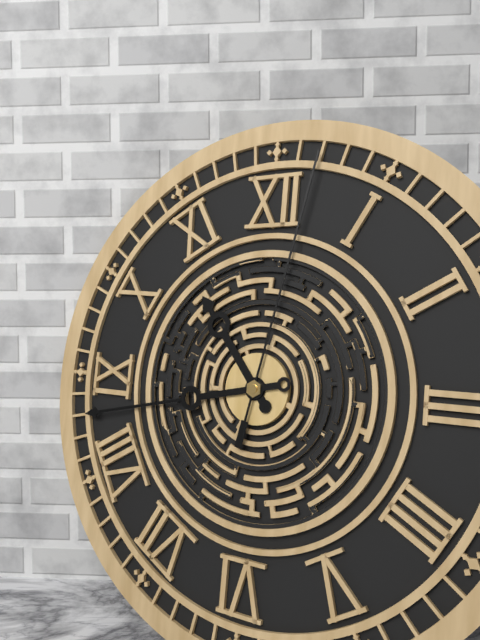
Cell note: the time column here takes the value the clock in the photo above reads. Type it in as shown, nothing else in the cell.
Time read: 10:43:02
